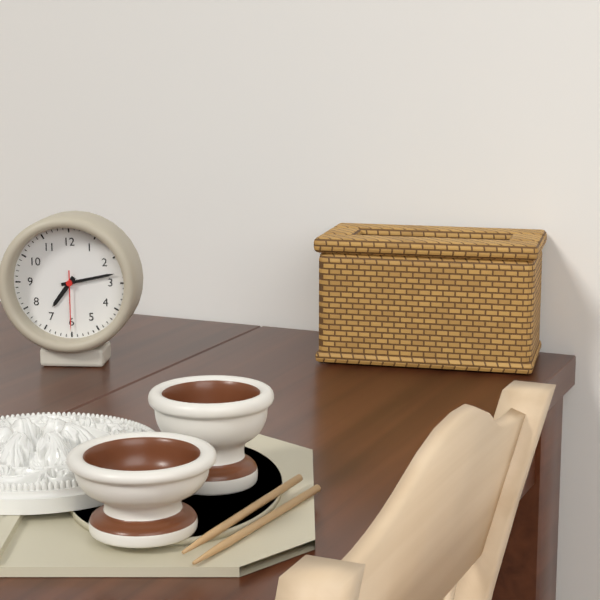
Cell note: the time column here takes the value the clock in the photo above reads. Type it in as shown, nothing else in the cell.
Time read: 7:13:30
